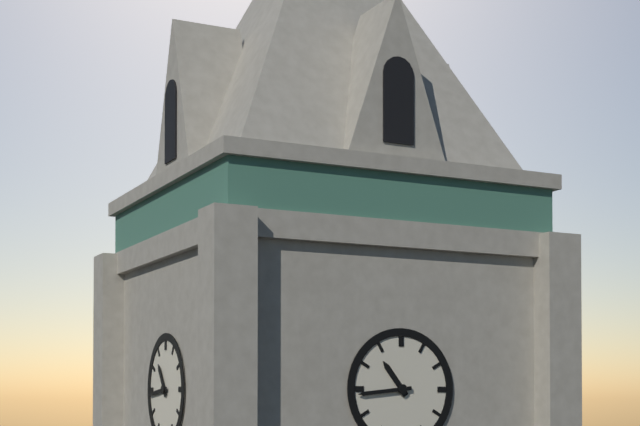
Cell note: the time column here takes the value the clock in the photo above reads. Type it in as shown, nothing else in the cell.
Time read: 10:44
